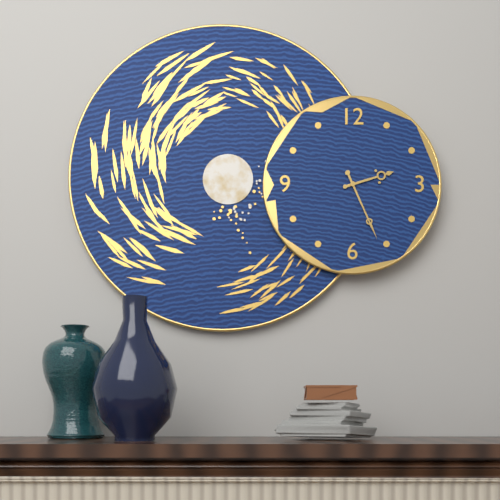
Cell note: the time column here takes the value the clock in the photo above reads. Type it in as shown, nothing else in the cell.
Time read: 2:26
